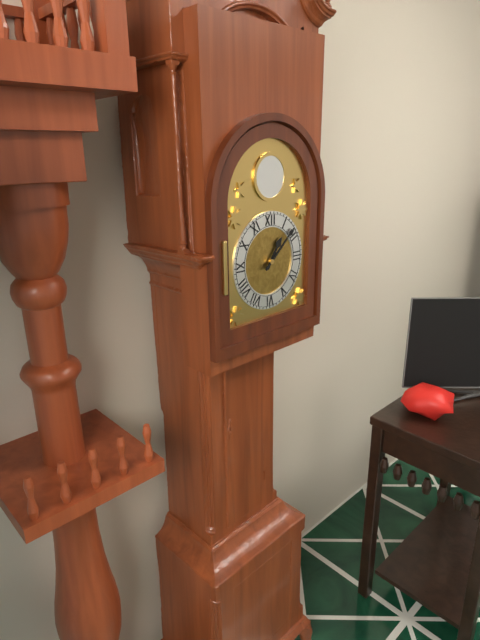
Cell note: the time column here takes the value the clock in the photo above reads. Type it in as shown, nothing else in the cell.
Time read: 1:08
